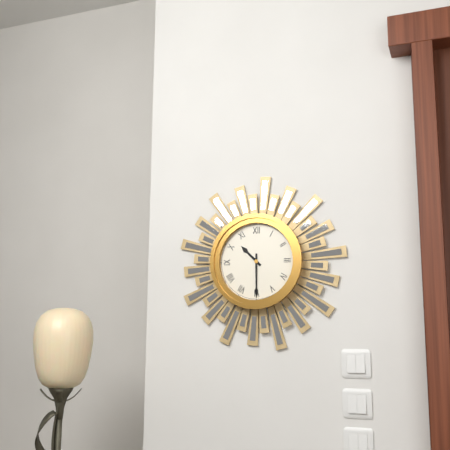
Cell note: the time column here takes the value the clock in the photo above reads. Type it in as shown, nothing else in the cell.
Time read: 10:30
